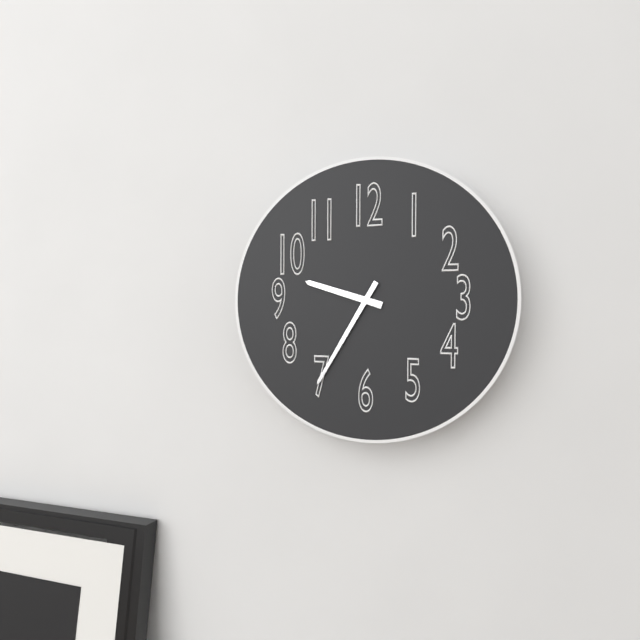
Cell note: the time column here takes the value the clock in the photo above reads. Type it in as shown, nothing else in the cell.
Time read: 9:35
